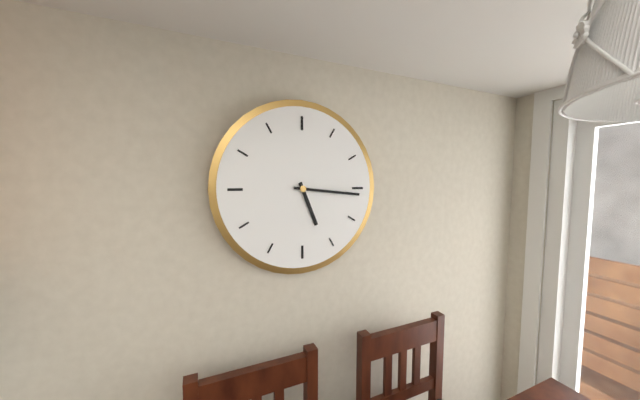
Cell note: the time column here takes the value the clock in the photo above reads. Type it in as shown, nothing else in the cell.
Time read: 5:16
